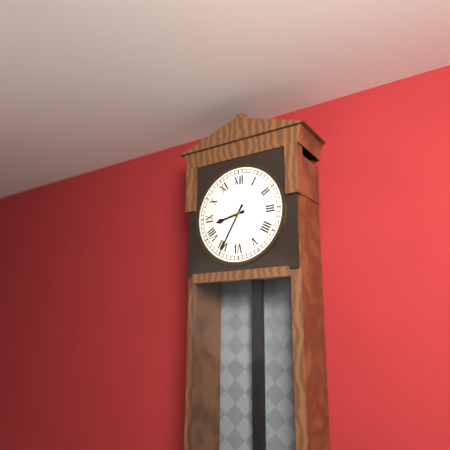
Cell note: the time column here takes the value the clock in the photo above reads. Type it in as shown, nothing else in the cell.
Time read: 8:35
